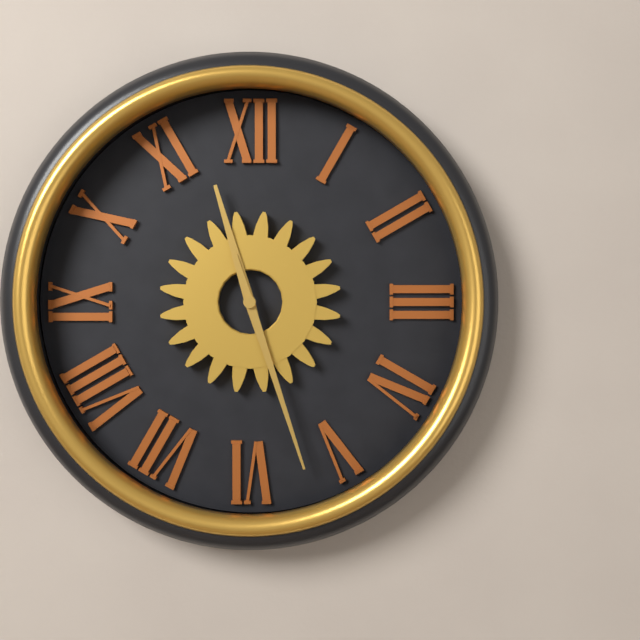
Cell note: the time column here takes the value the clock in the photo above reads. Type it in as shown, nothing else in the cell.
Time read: 11:27
